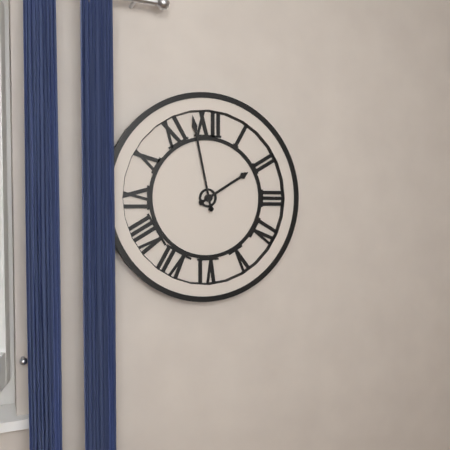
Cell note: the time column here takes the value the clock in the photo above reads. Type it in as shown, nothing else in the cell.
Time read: 1:58
